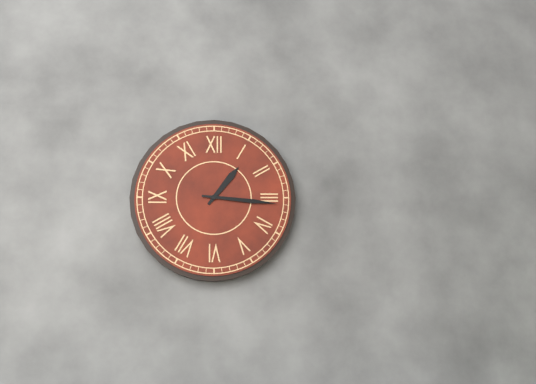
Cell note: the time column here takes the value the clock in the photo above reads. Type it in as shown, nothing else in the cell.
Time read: 1:16
